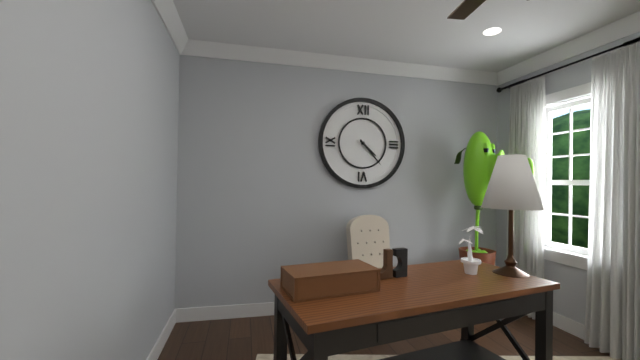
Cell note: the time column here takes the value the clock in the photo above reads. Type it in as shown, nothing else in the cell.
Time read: 4:23
